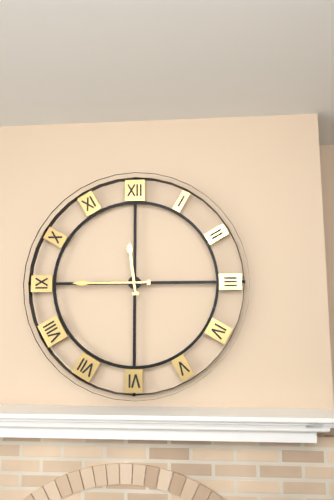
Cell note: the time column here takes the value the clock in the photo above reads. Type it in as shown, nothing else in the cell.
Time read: 11:45
